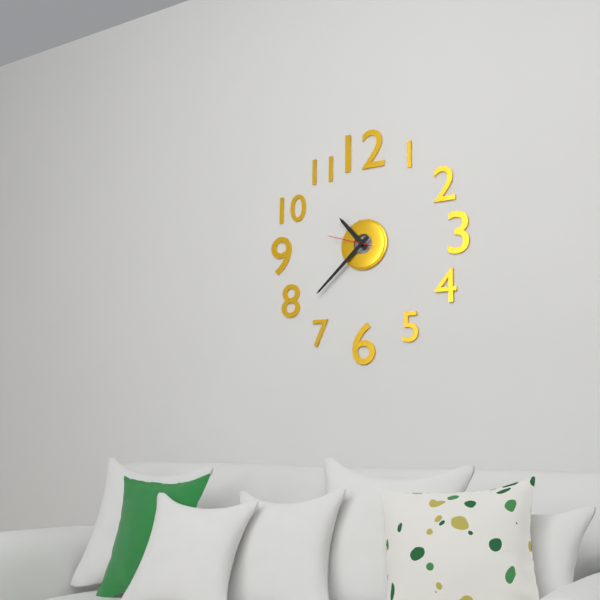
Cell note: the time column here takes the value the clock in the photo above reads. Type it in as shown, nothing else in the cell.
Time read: 10:38
